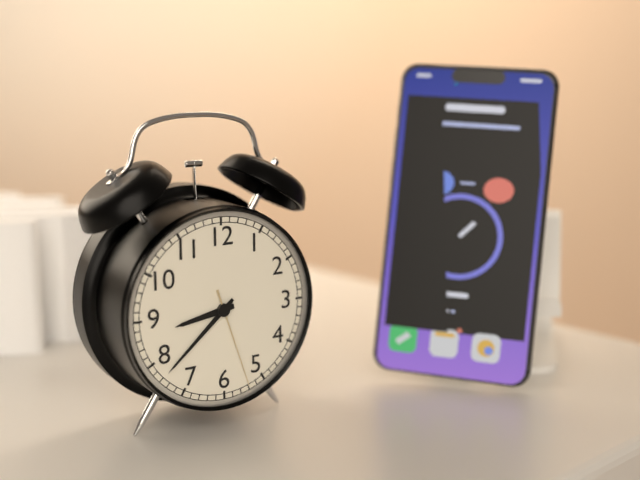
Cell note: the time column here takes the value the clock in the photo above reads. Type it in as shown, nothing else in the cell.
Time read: 8:38:27
